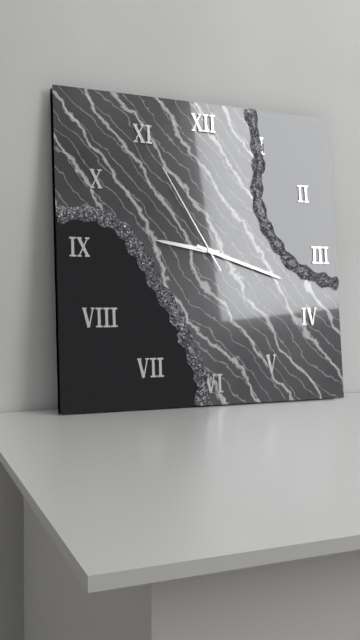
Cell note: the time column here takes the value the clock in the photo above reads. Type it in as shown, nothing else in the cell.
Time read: 9:18:55
